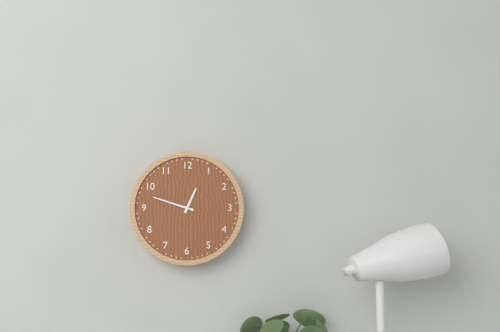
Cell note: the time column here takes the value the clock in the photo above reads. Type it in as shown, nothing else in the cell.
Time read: 12:48
